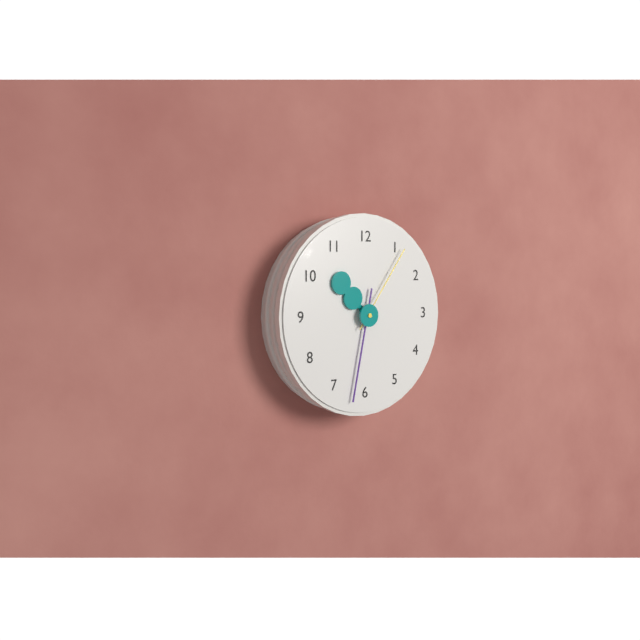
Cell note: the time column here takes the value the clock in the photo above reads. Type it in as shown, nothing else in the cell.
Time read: 10:32:06
